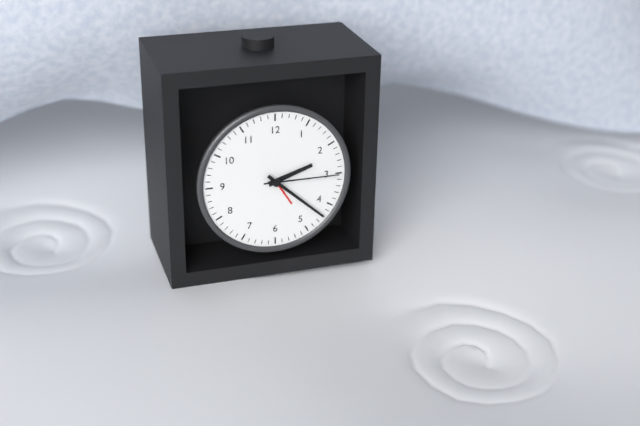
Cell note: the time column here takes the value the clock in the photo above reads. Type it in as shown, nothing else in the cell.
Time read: 2:22:15
